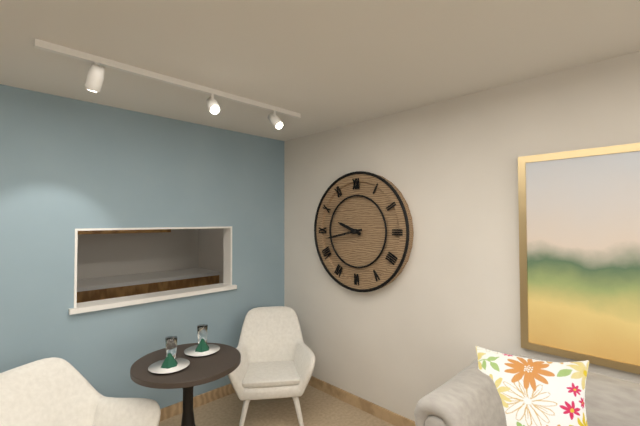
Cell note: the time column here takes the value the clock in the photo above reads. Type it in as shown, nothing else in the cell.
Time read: 9:43
